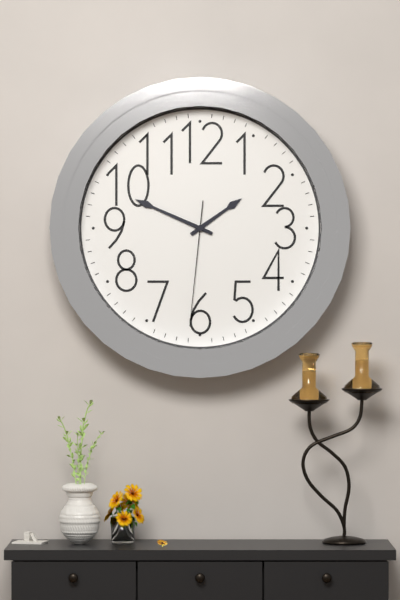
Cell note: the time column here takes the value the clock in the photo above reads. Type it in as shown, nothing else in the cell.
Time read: 1:49:31
